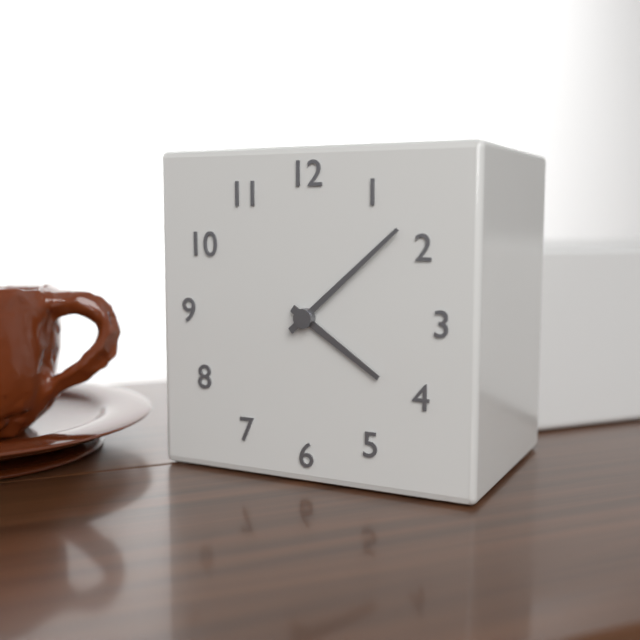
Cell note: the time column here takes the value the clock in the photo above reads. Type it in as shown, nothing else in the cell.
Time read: 4:08
